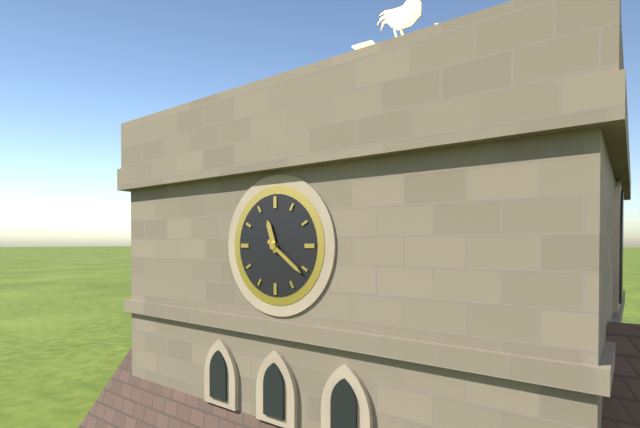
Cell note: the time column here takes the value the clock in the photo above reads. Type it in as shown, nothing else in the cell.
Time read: 11:21
